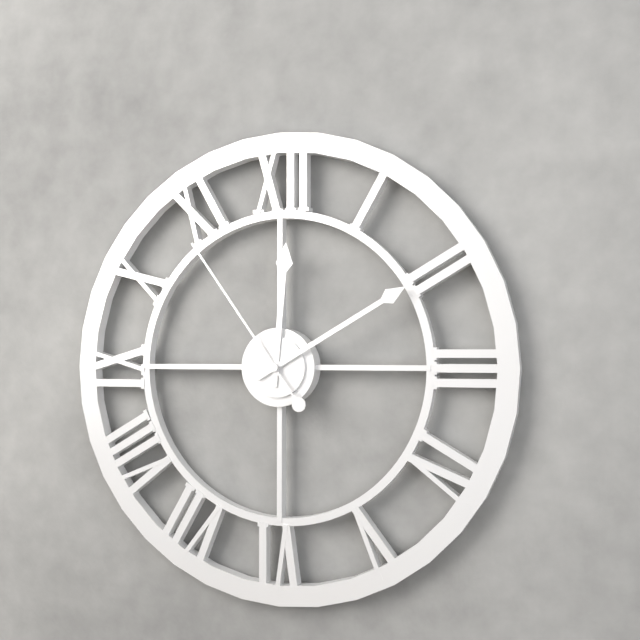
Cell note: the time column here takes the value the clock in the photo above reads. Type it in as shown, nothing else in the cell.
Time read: 12:10:54
